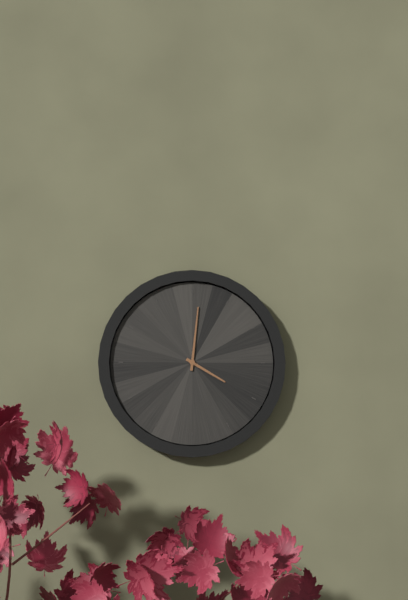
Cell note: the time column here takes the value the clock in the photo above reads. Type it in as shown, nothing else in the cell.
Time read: 4:01
